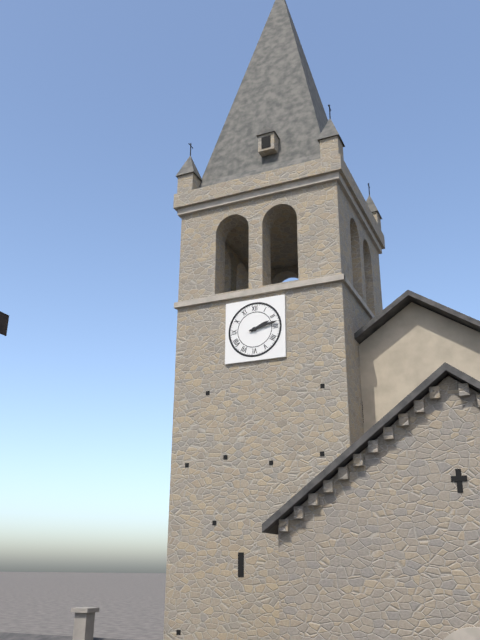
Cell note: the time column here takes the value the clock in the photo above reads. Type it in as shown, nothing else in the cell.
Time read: 2:13
